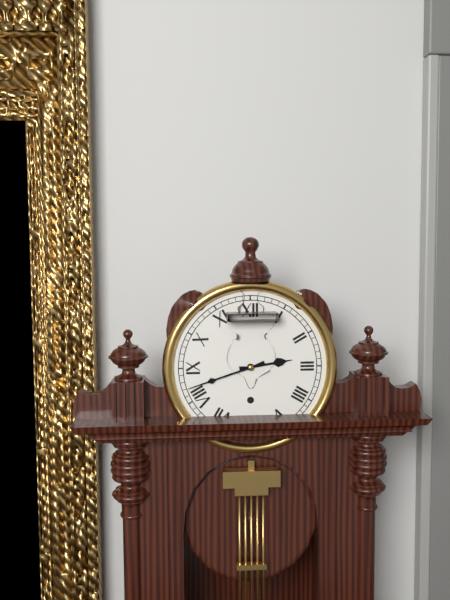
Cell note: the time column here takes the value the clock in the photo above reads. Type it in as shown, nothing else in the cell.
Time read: 2:42
